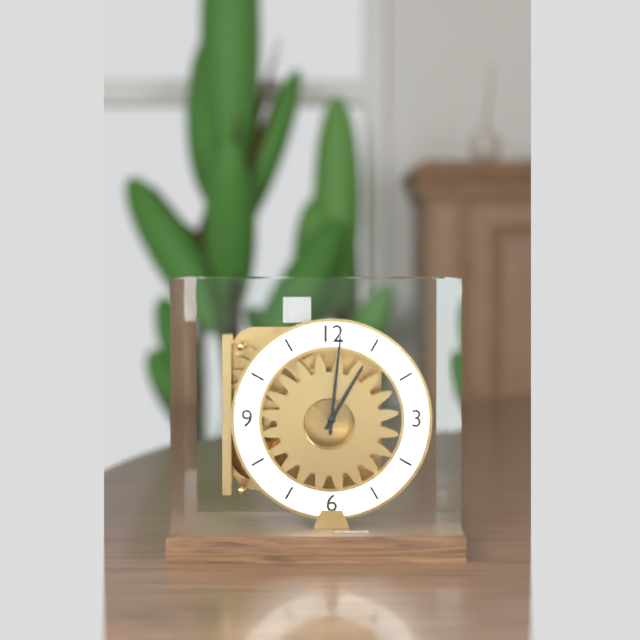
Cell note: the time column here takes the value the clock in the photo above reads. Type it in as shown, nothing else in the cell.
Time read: 1:01
